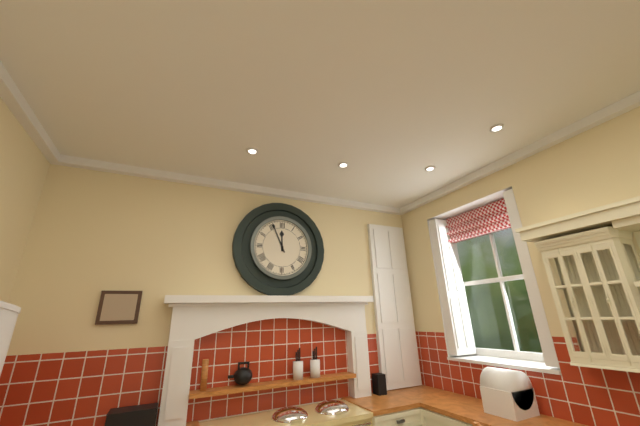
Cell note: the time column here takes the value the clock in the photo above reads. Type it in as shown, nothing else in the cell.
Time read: 11:56
